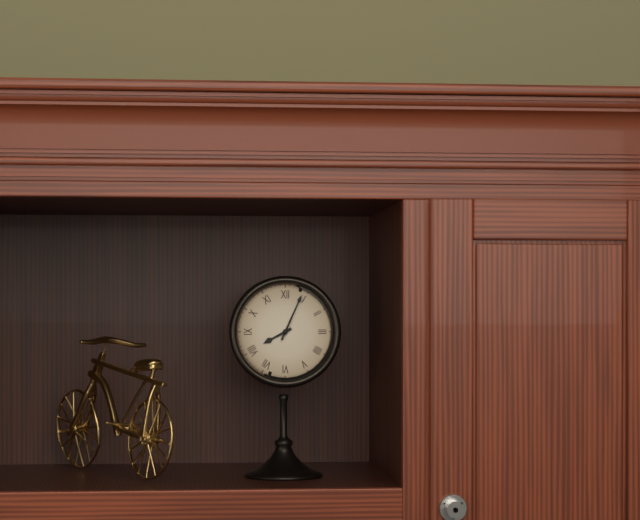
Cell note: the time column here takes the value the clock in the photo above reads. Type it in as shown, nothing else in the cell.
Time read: 8:04
